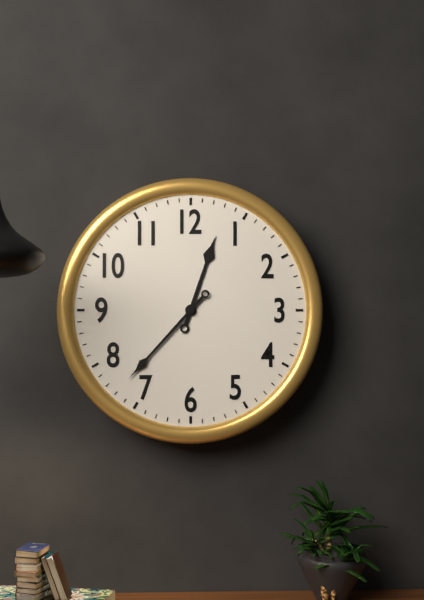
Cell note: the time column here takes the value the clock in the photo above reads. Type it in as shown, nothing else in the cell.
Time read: 12:37
